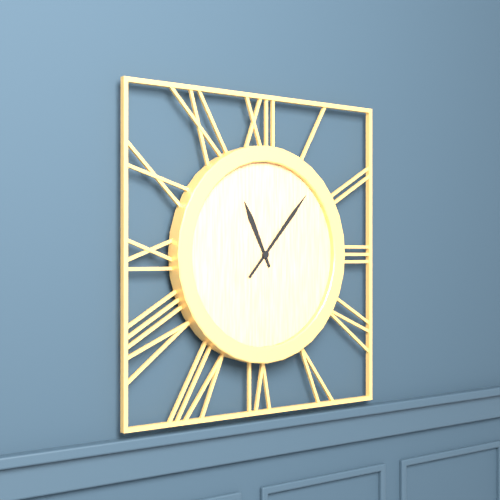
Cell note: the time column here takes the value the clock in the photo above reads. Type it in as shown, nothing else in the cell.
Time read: 11:07
